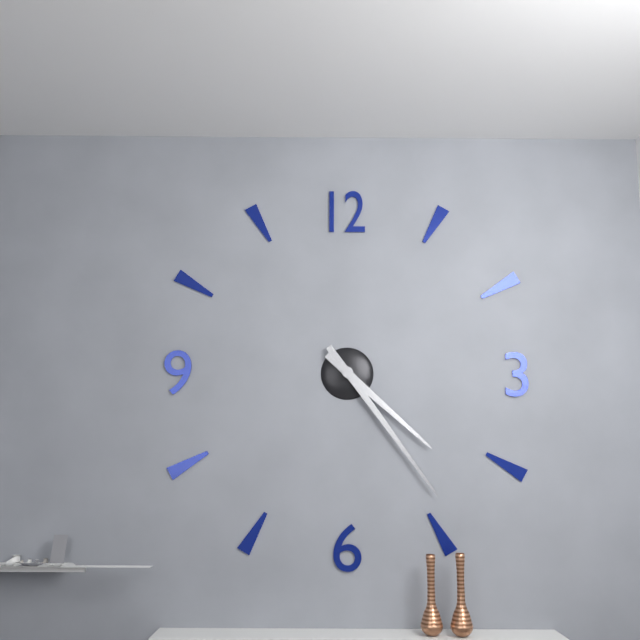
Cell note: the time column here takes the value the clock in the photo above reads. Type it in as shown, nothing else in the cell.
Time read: 4:24
